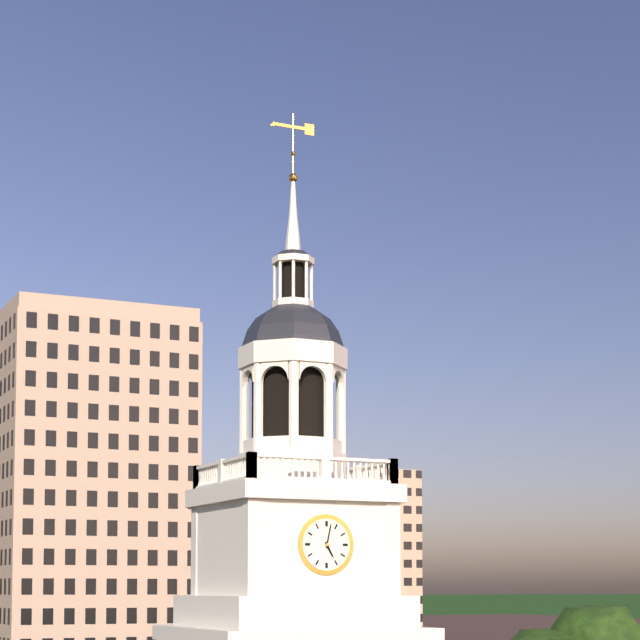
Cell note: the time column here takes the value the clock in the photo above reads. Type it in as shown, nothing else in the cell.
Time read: 5:02
